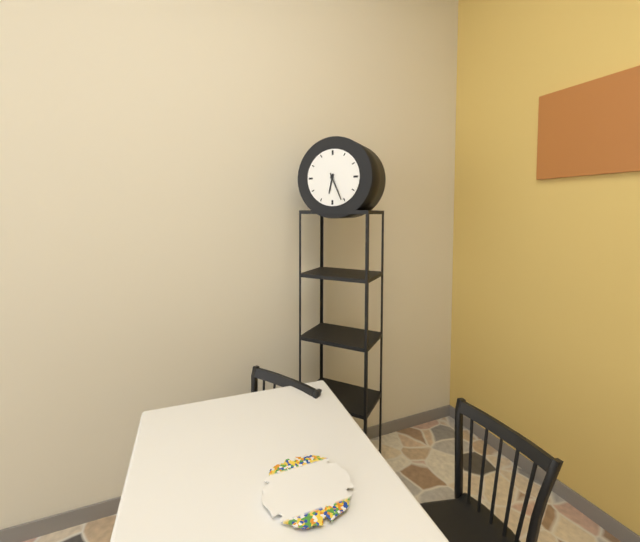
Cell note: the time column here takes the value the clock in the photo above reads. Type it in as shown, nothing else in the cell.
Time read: 6:26
